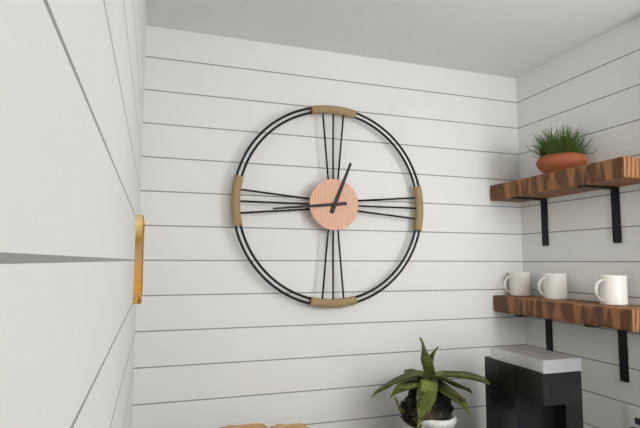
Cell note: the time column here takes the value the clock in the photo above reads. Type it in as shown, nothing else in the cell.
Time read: 12:44
